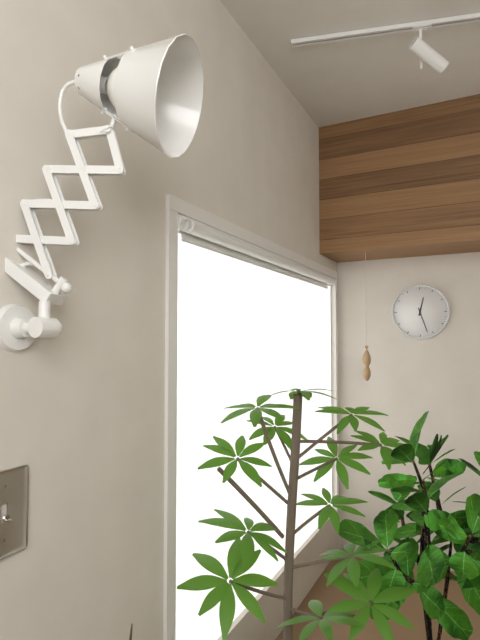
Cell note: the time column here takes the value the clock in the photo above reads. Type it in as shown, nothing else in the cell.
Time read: 12:27
